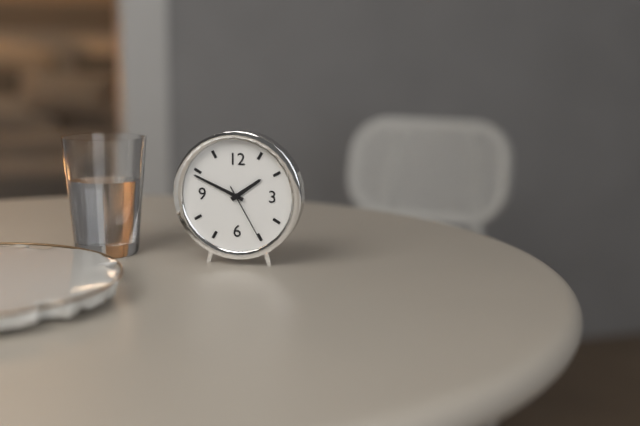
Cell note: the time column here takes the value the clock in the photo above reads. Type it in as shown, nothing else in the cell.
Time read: 1:49:25
